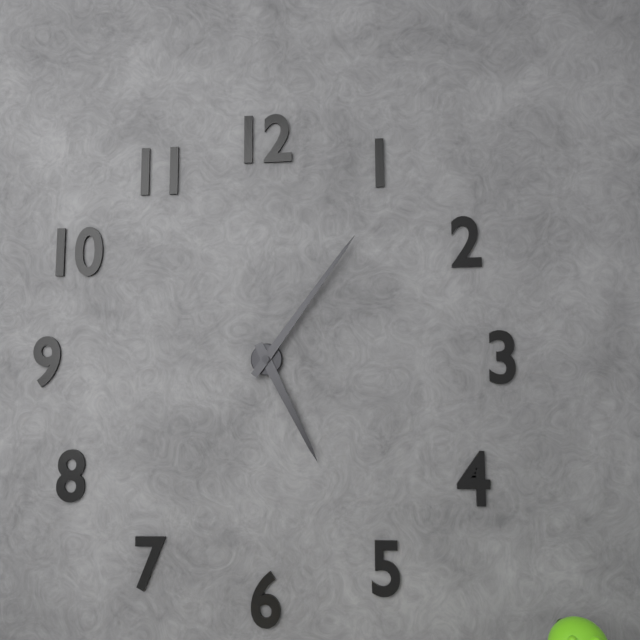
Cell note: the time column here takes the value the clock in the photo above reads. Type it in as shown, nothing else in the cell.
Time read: 5:06
